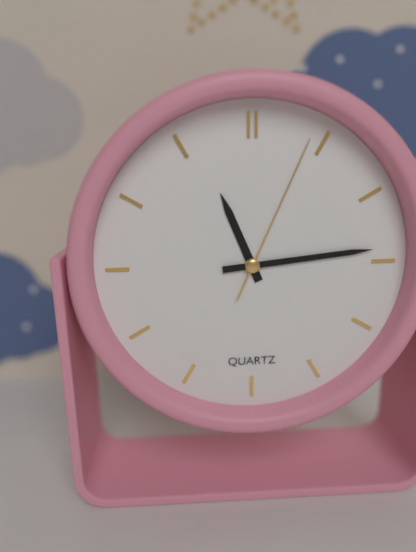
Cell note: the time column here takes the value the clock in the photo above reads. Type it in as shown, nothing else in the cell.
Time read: 11:14:04
